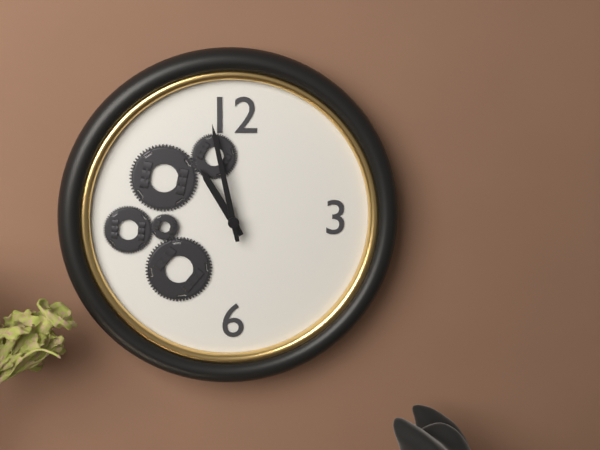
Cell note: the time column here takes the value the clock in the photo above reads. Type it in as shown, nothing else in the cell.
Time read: 10:58
